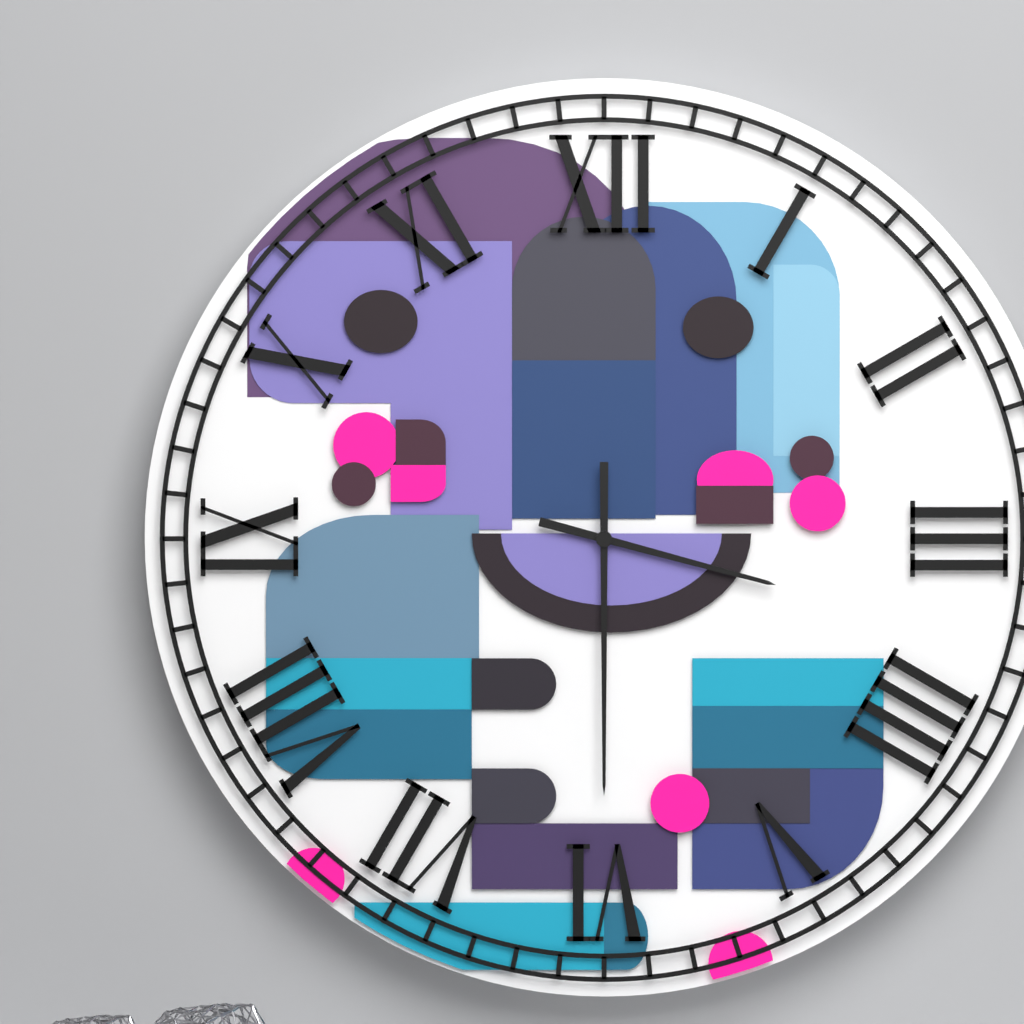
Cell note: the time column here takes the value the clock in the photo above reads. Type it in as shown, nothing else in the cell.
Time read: 3:30
